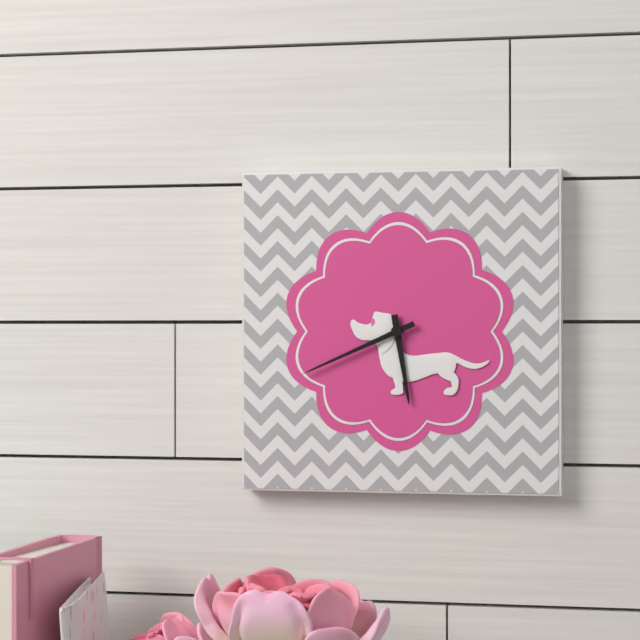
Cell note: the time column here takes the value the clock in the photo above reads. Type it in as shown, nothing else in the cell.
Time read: 5:41
